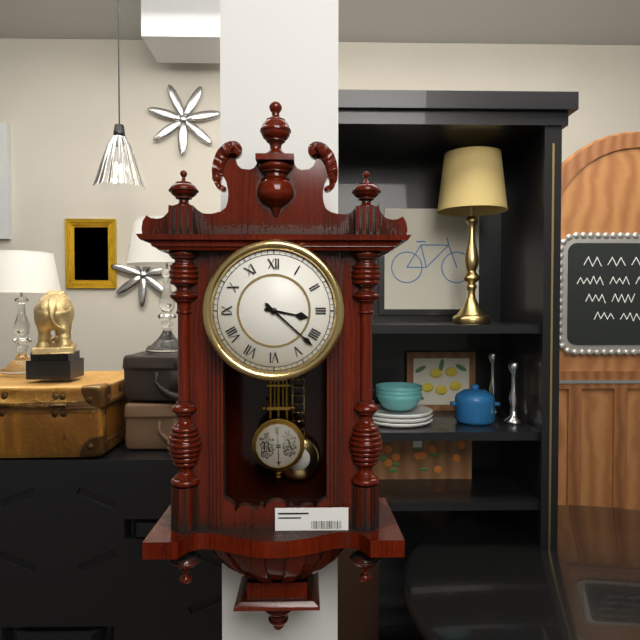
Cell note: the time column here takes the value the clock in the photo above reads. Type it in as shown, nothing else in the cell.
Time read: 3:22
